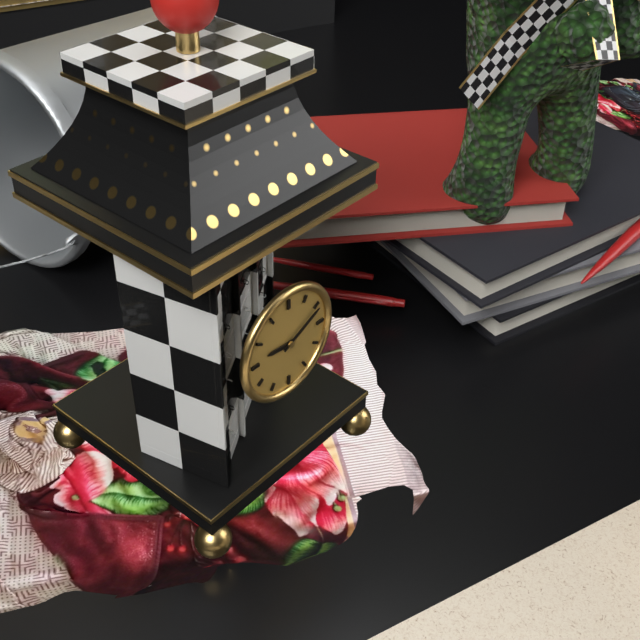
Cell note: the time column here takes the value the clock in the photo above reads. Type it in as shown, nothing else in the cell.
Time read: 9:11
